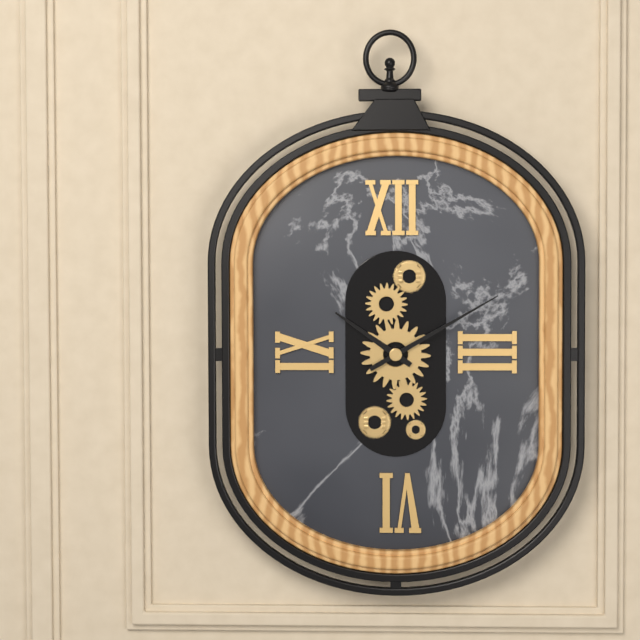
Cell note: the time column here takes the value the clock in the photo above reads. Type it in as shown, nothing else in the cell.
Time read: 10:10
